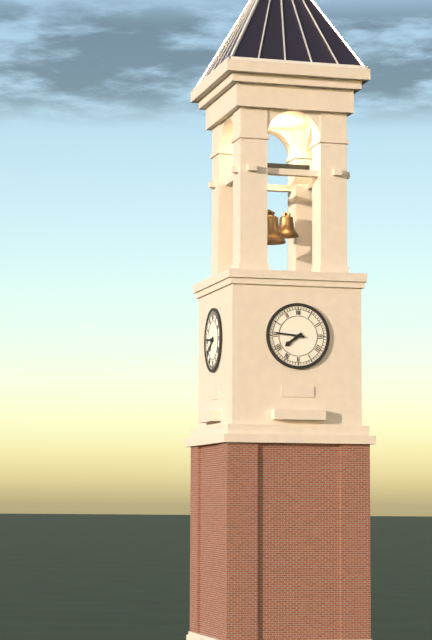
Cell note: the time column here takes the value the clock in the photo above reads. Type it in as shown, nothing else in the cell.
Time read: 7:46
